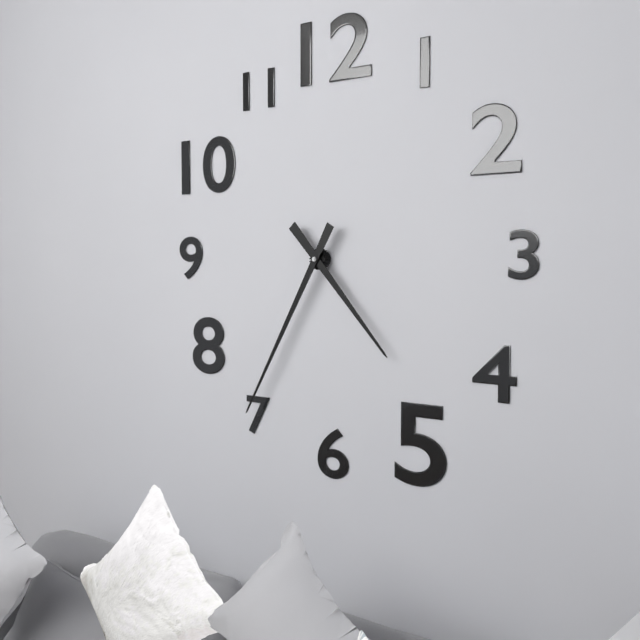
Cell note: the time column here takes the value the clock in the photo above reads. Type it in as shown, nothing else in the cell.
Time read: 4:35
